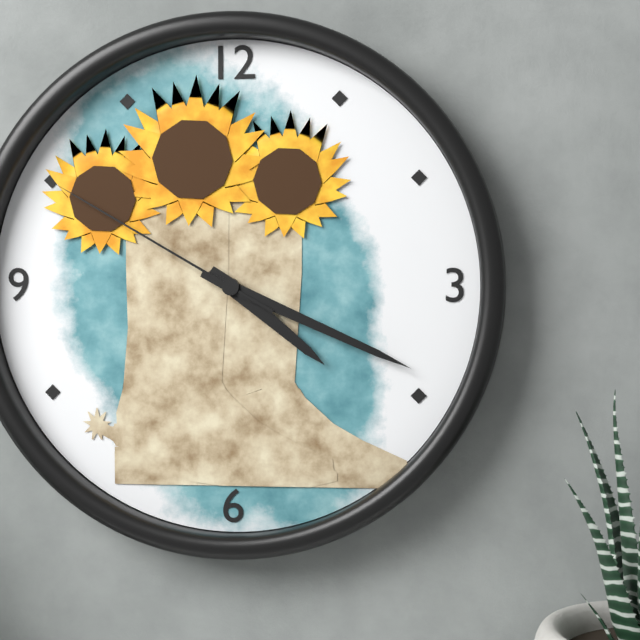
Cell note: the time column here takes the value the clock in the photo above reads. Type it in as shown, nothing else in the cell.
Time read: 4:19:50
